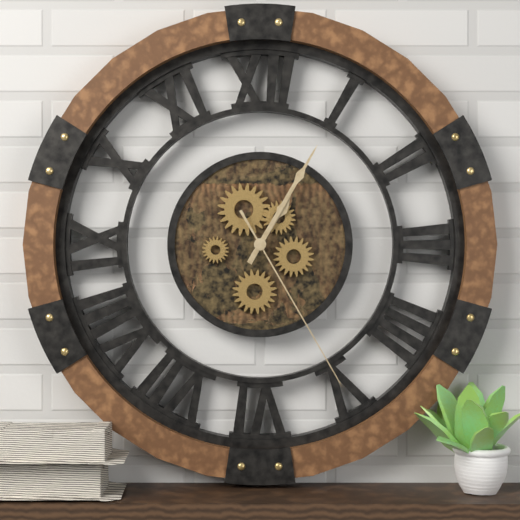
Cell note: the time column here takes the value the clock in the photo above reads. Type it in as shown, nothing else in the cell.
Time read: 1:05:25
